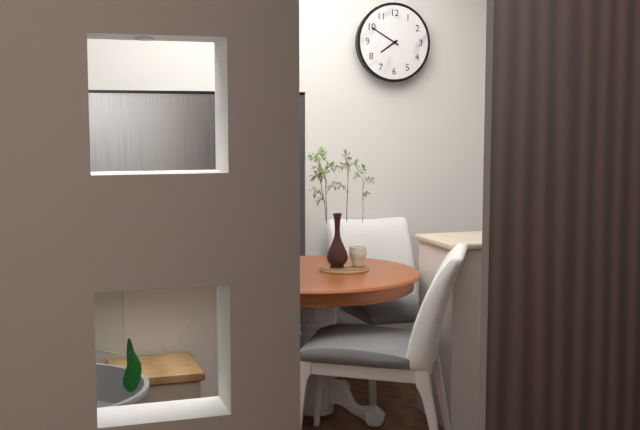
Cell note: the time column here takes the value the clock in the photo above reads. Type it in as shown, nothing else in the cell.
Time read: 7:50
